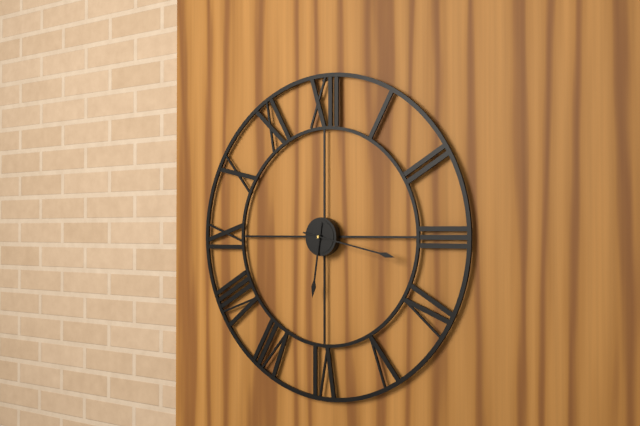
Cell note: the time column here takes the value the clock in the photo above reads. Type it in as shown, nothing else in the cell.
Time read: 6:17
